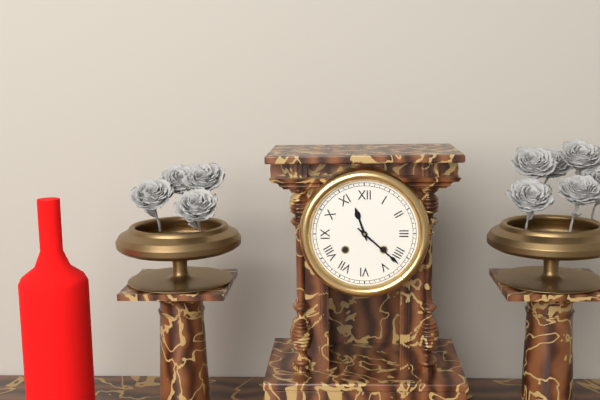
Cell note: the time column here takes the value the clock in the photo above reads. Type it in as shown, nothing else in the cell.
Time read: 11:22
